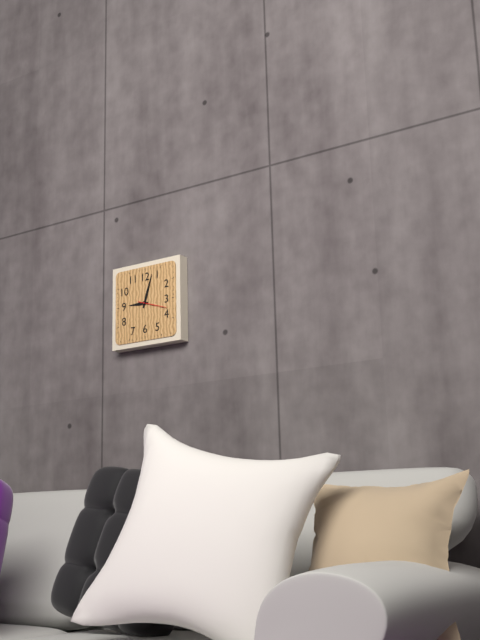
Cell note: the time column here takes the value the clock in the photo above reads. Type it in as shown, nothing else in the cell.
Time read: 9:03
